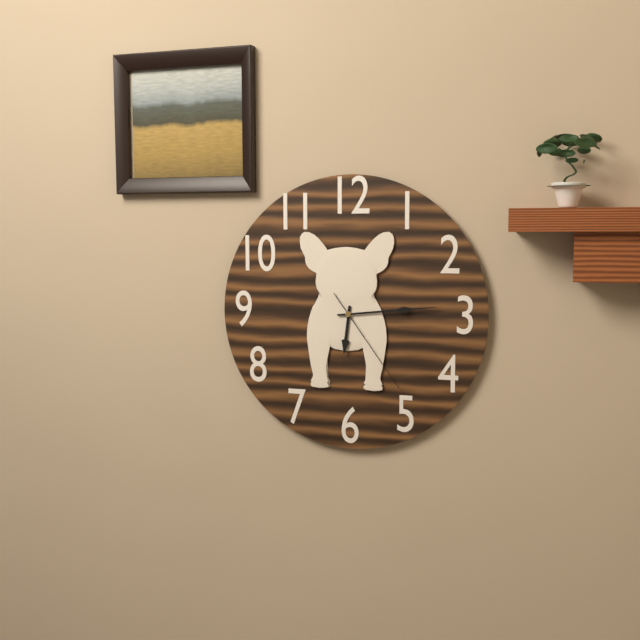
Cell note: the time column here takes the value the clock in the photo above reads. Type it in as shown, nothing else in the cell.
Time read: 6:14:24
